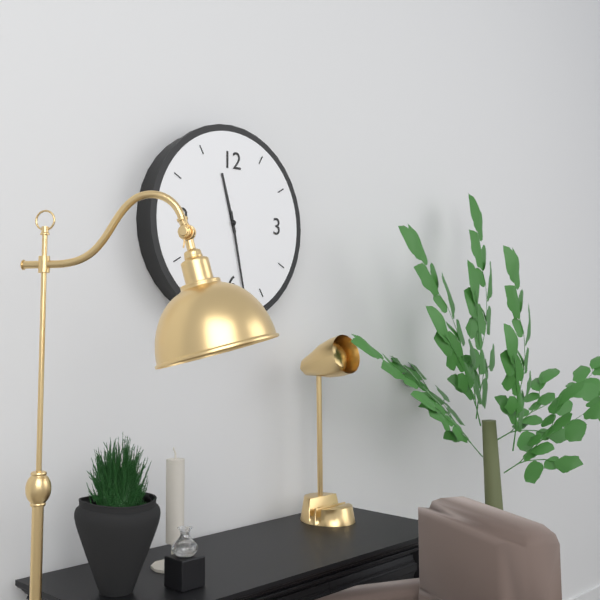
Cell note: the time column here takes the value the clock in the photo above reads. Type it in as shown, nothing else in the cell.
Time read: 11:28
